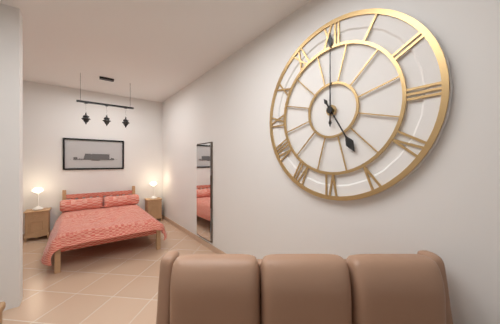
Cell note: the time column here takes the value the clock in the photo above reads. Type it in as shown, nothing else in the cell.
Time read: 5:00
